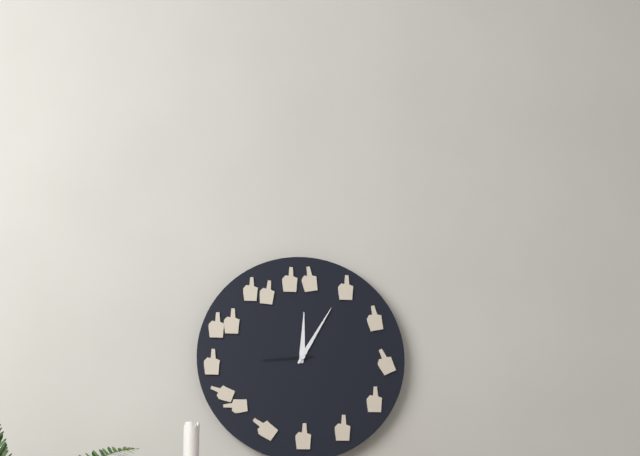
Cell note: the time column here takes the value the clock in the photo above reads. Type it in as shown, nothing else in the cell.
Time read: 12:05
